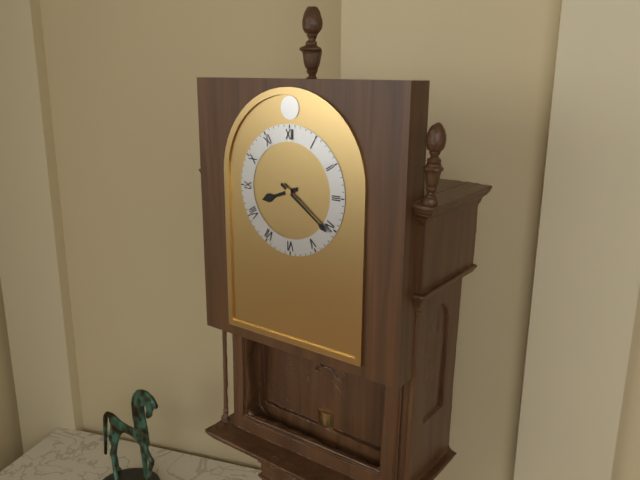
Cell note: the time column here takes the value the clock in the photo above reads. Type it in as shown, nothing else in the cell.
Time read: 8:21
